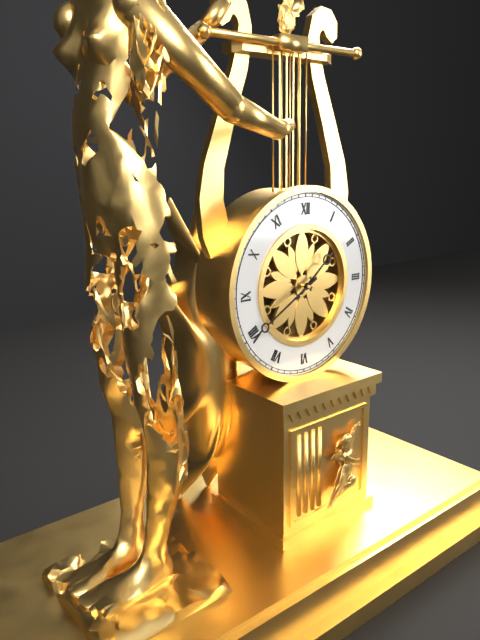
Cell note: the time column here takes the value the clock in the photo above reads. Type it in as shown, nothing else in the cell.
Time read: 1:40
